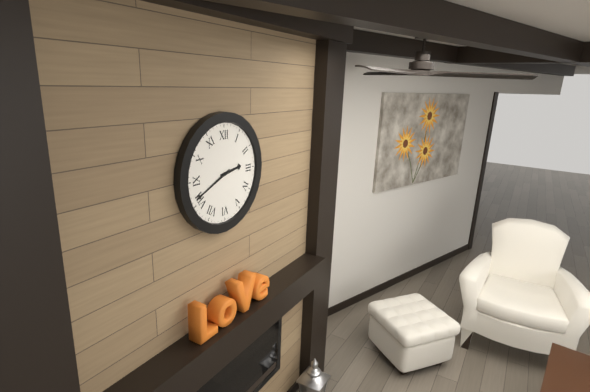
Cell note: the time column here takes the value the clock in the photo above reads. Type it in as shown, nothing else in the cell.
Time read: 2:41
